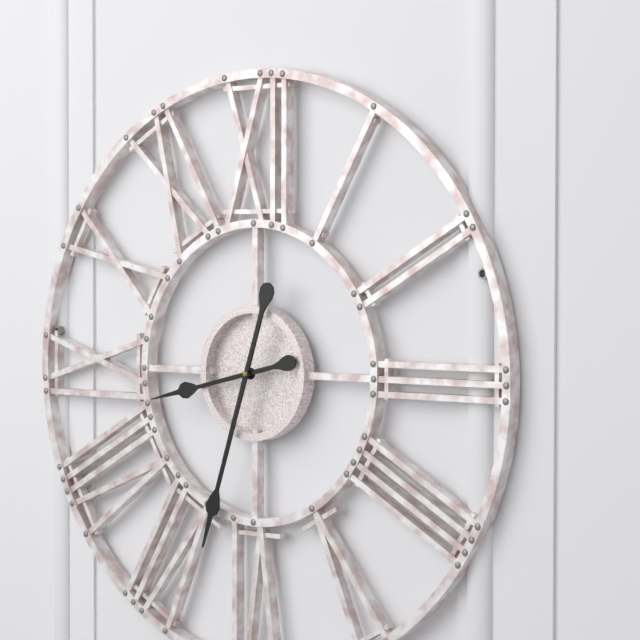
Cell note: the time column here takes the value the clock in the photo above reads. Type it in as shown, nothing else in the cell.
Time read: 8:33
